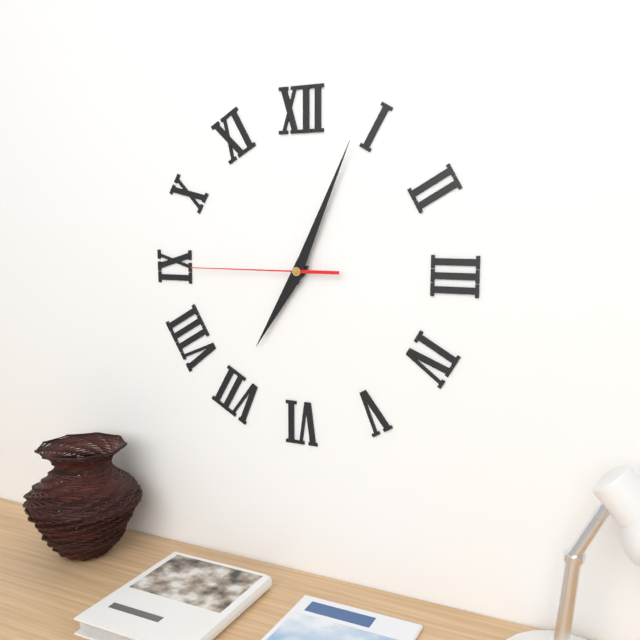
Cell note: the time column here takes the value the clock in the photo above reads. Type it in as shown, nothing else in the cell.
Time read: 7:04:45
